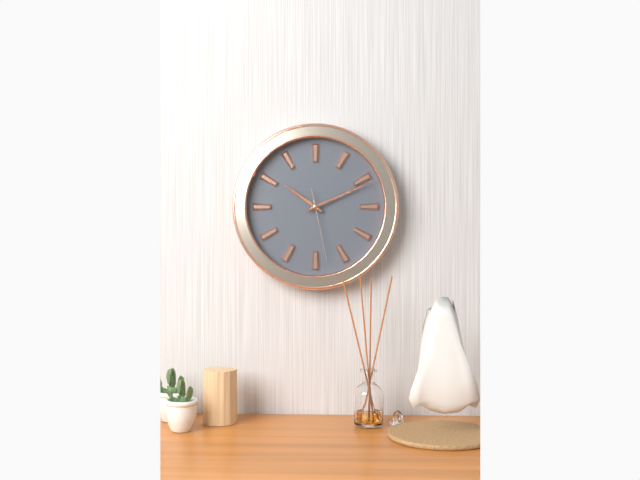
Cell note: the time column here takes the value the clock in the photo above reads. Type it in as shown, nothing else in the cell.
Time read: 10:11:28
